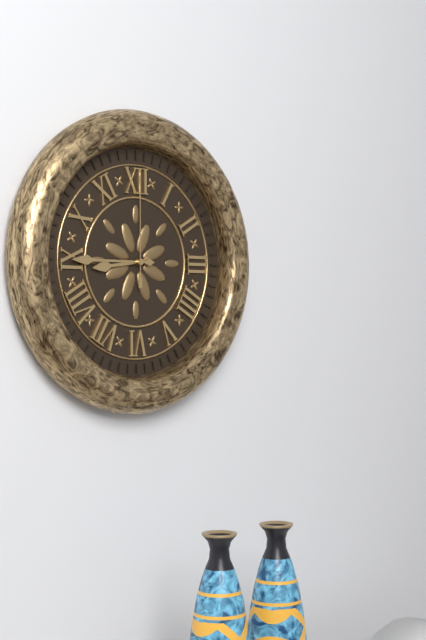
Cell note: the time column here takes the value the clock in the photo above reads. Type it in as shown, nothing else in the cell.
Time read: 8:45:00
